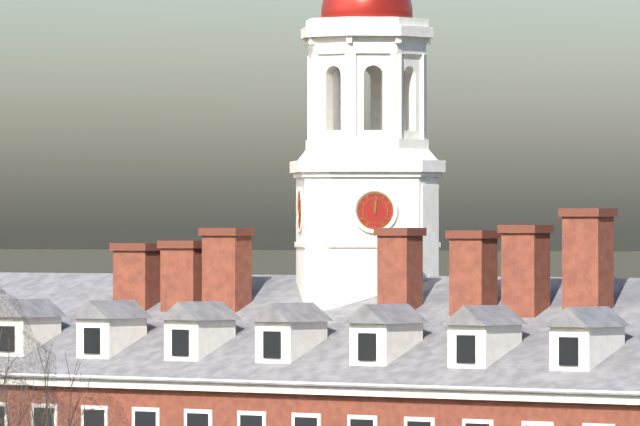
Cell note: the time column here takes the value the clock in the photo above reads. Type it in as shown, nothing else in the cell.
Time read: 12:01
